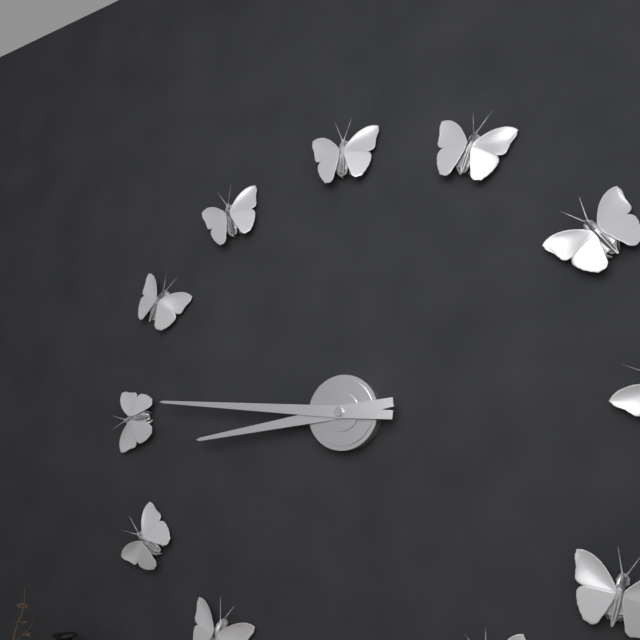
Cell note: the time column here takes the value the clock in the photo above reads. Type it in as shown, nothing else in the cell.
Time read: 8:46
